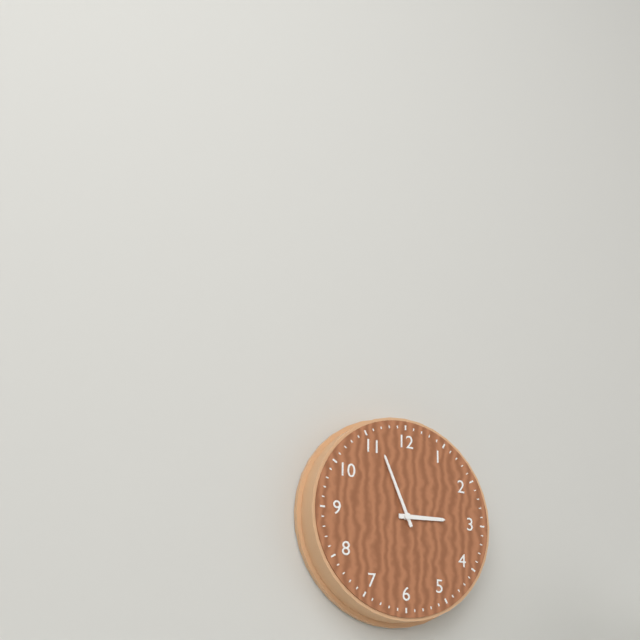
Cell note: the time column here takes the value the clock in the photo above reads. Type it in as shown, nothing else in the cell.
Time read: 2:56
